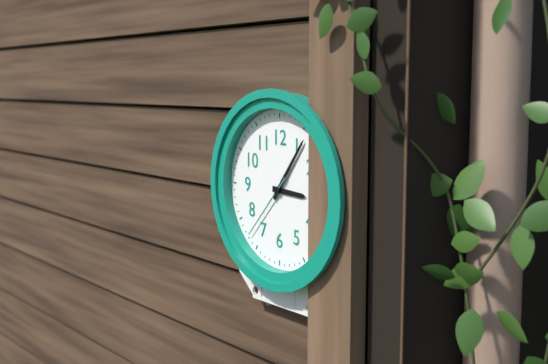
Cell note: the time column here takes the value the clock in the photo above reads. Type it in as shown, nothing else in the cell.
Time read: 3:06:37
